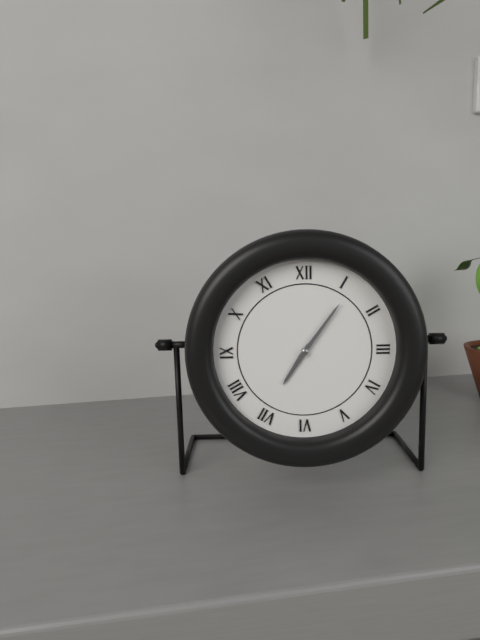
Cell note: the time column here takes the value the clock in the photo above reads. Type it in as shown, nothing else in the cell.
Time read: 7:06
